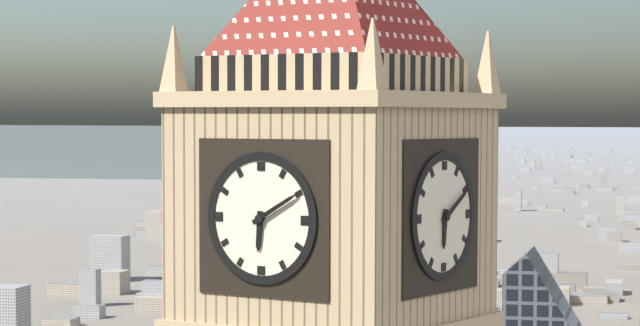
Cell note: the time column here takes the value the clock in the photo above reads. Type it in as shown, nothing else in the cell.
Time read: 6:10
